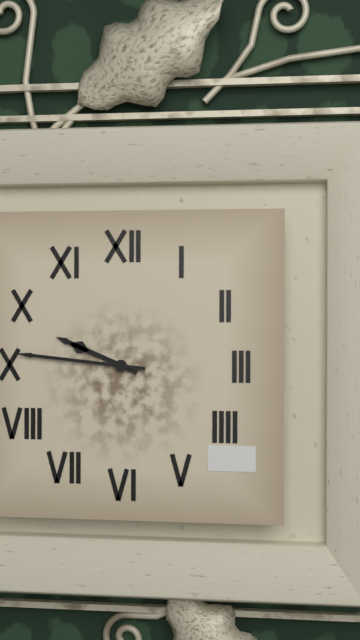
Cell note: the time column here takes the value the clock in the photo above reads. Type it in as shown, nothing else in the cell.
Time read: 9:46
